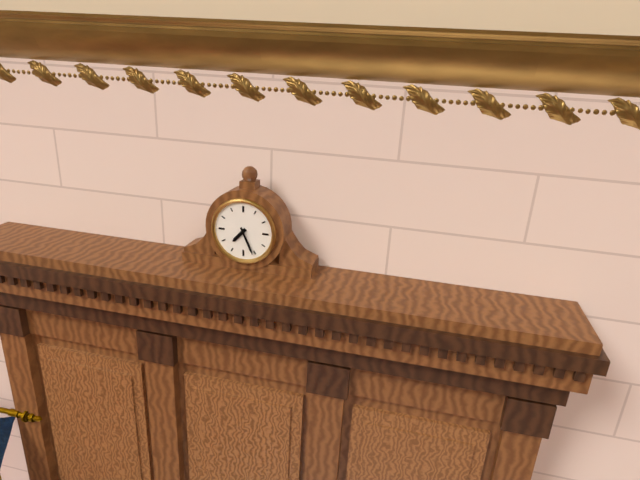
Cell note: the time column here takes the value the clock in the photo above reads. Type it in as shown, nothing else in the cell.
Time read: 7:26
